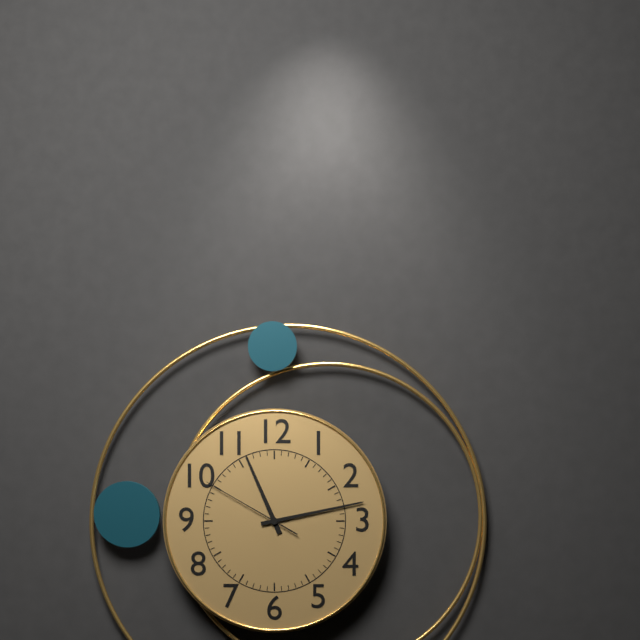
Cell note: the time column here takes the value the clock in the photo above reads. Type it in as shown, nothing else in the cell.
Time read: 11:13:50
